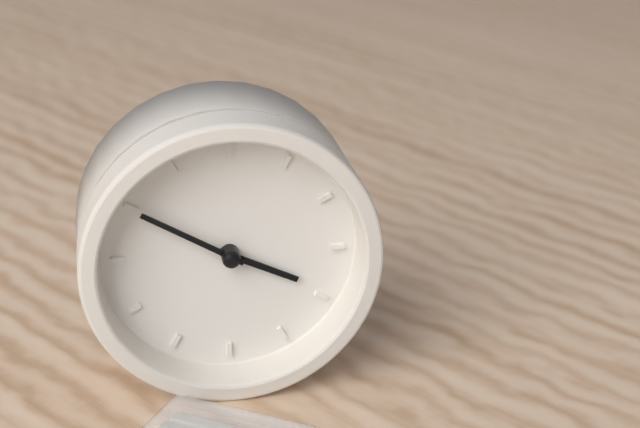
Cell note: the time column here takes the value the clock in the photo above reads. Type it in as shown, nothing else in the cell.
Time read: 3:50
